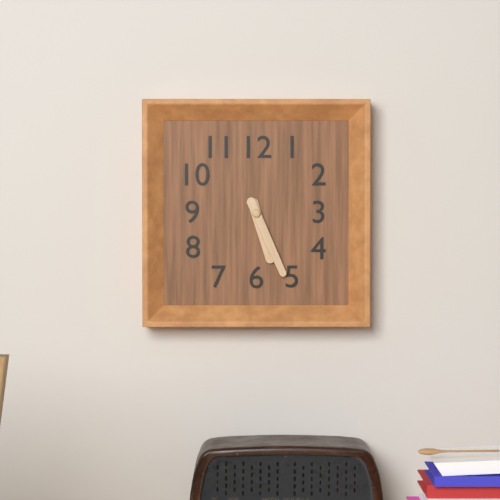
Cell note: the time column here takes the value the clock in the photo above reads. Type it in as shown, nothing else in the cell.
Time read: 5:26
